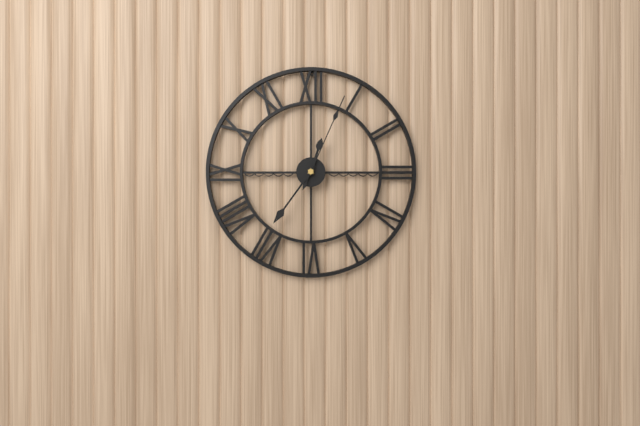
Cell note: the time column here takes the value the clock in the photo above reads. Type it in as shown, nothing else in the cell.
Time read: 12:36:04
